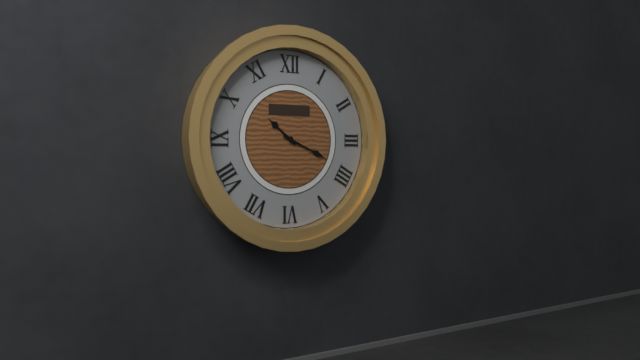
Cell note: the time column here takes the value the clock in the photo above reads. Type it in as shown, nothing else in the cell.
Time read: 10:19
